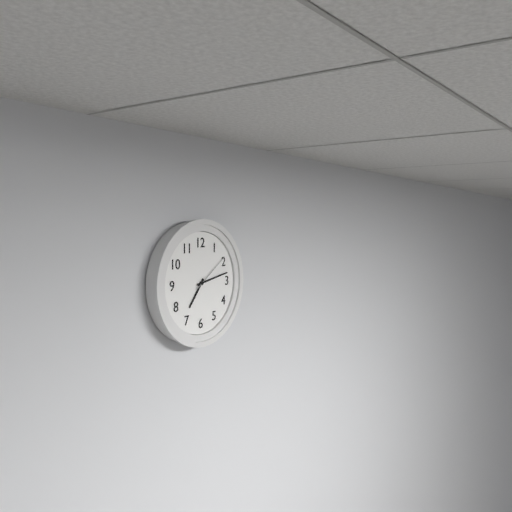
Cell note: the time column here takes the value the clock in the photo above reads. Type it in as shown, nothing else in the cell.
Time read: 7:13
